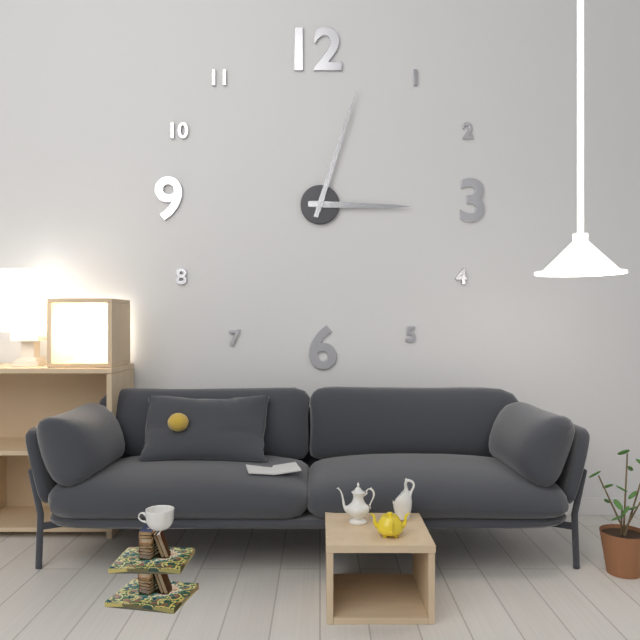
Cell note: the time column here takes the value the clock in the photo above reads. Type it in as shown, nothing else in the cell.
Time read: 3:03
